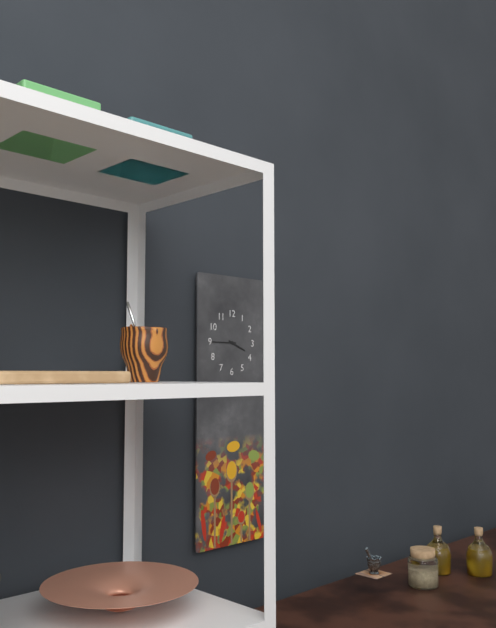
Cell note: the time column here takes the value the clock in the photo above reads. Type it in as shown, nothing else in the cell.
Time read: 3:45
